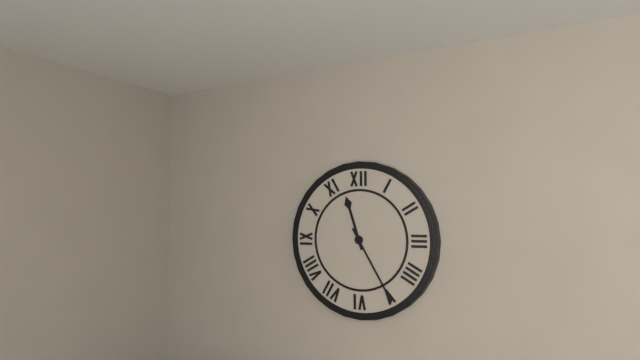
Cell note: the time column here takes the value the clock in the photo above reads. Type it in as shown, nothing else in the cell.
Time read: 11:25
